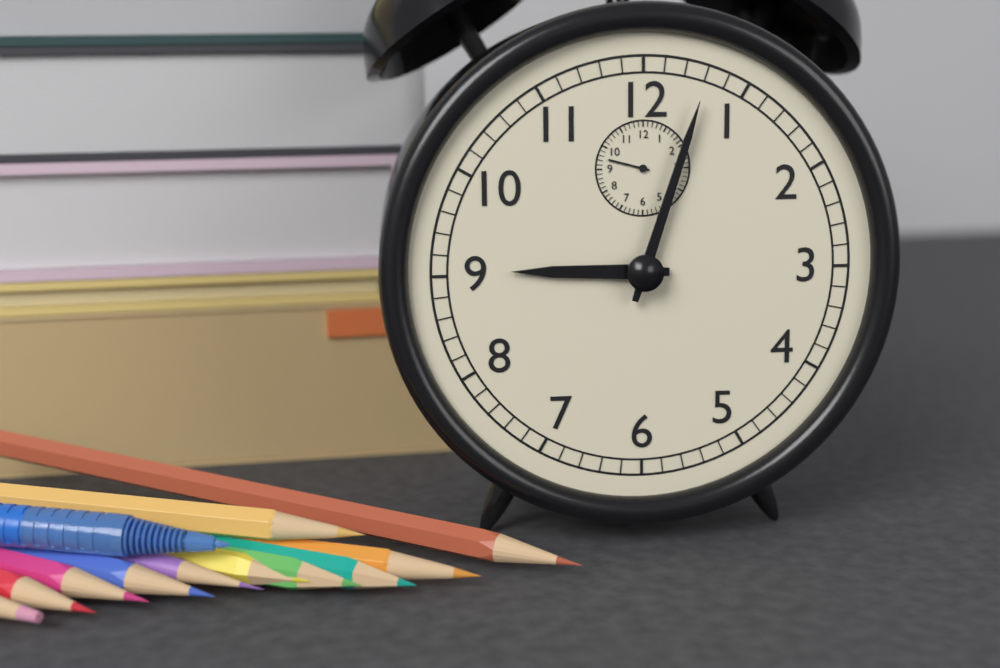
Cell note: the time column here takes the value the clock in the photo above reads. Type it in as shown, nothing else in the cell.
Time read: 9:03
